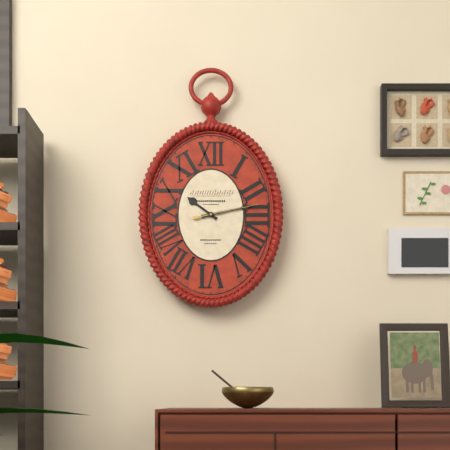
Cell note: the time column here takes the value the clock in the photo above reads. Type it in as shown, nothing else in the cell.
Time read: 10:13:13
